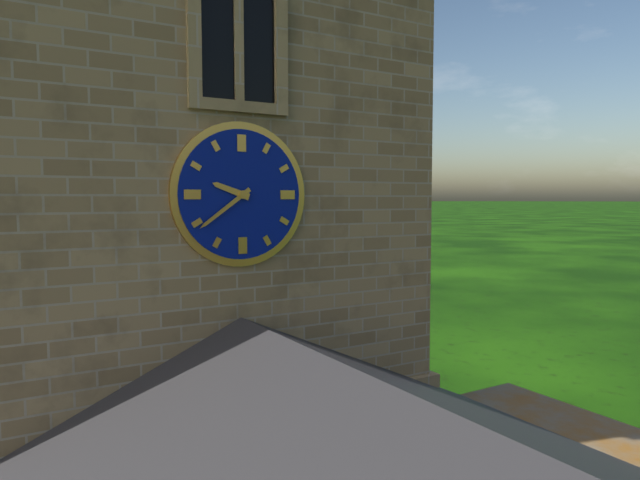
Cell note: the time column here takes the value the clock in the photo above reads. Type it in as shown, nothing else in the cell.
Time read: 9:39
